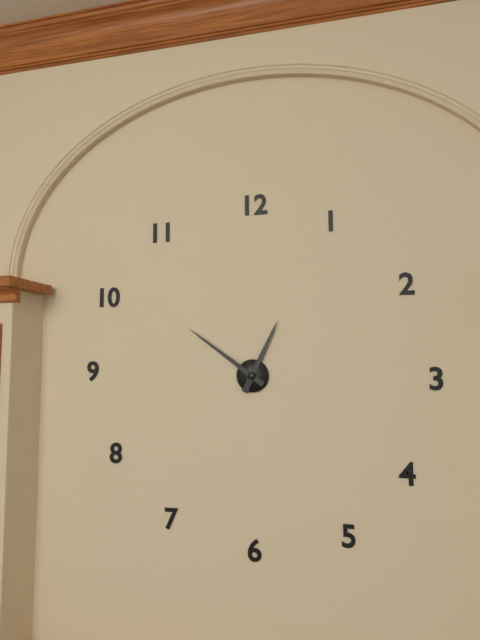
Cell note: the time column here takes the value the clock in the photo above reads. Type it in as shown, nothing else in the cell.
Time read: 12:51
